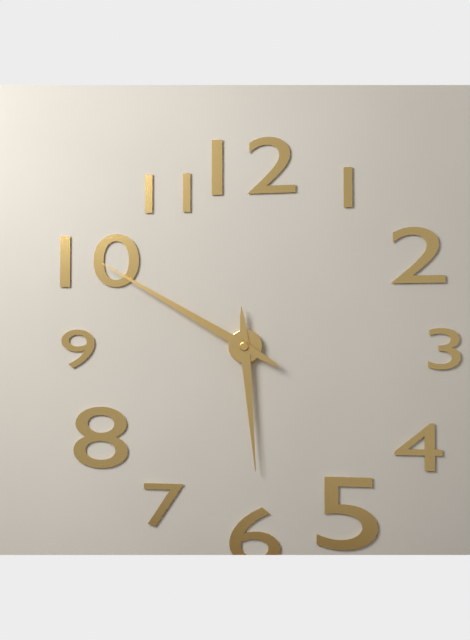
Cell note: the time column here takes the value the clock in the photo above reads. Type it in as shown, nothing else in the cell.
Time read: 5:50
